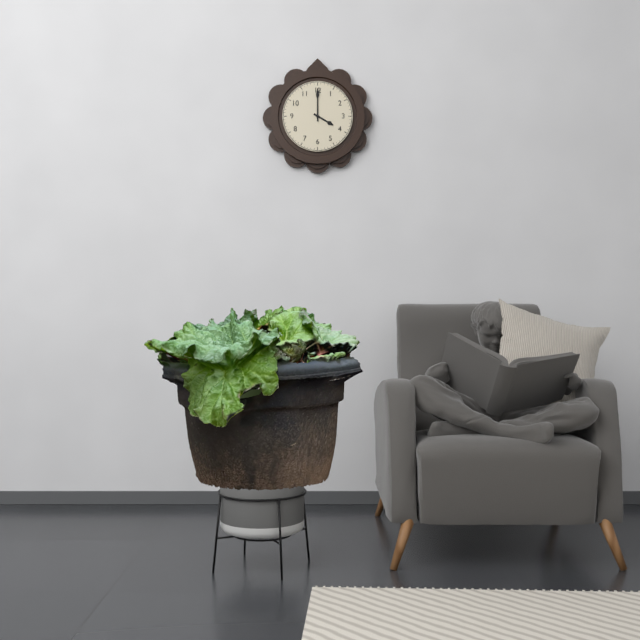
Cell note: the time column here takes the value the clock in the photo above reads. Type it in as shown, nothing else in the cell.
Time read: 4:00
